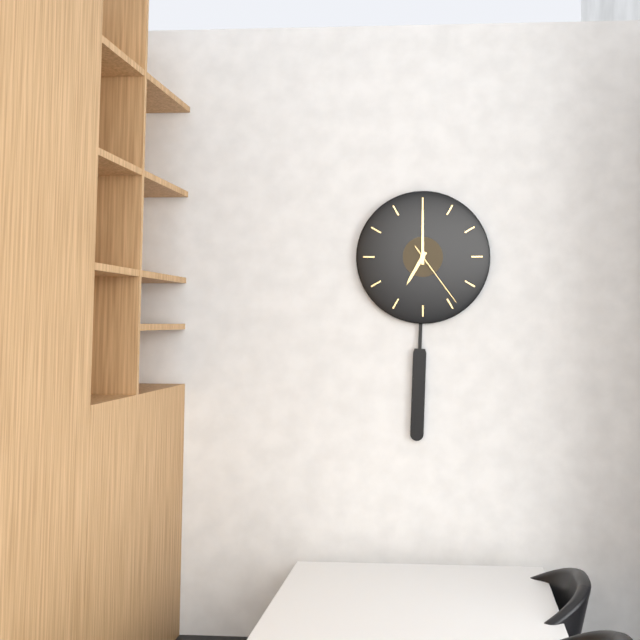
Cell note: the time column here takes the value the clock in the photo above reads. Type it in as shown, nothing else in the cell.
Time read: 7:00:24
